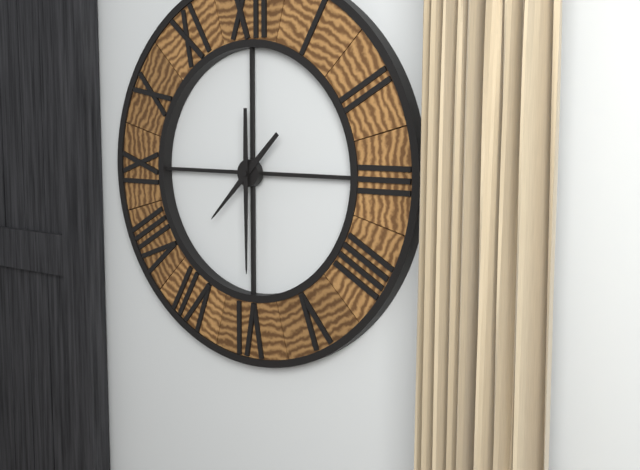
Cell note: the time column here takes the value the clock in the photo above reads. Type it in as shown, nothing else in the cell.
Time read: 7:30
